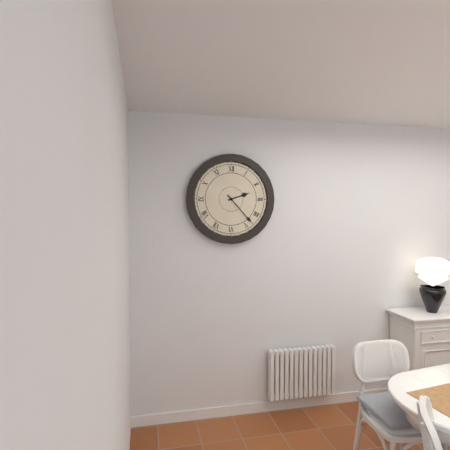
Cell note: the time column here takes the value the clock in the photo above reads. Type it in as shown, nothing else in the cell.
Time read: 2:23
